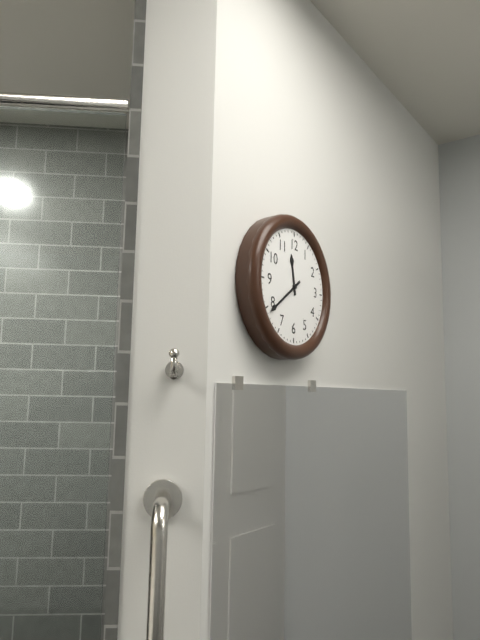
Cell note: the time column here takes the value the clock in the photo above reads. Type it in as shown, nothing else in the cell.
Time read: 11:39
